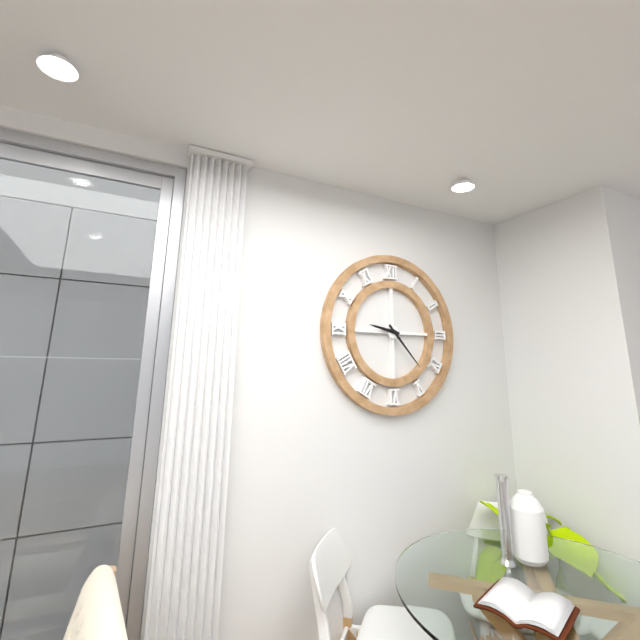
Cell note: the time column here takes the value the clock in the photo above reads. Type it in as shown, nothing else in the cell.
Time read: 9:23
